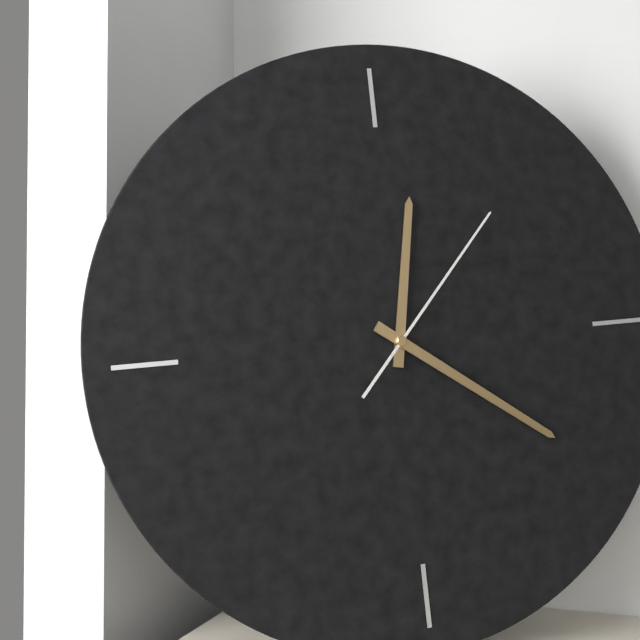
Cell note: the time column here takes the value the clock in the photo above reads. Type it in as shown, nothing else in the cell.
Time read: 12:21:07
